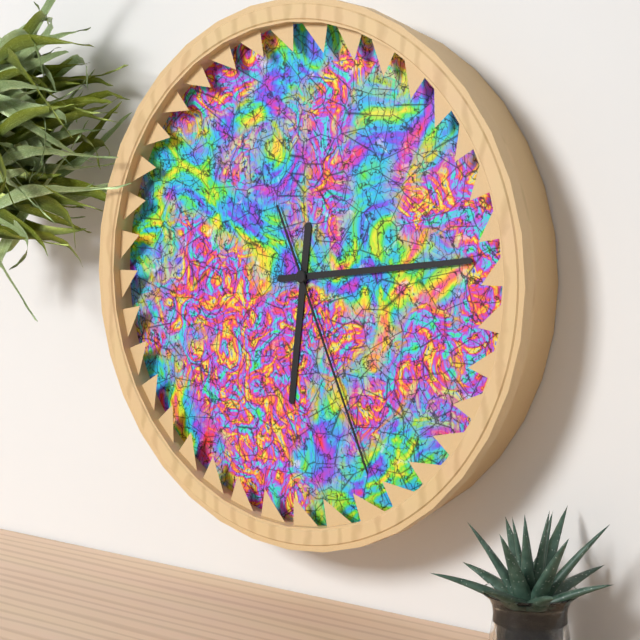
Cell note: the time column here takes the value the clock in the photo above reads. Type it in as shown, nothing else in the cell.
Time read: 6:14:26
